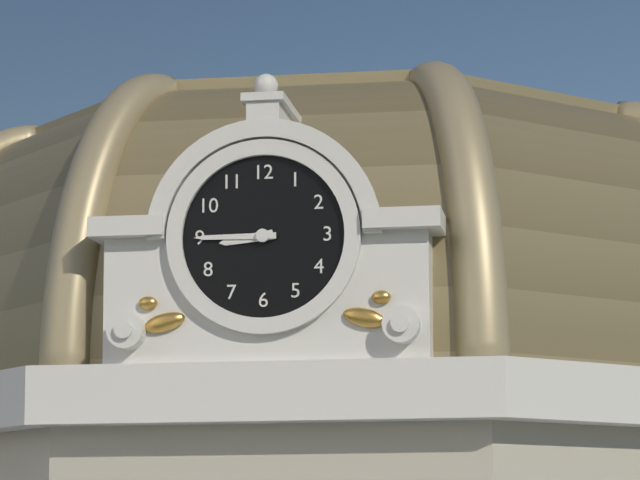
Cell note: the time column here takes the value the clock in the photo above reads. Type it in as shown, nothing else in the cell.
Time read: 8:45
